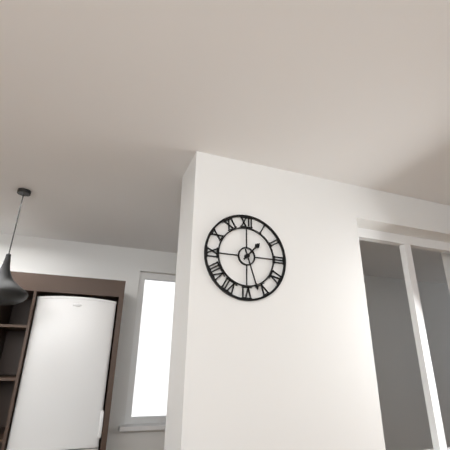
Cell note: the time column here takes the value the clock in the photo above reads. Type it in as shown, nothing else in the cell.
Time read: 1:27
